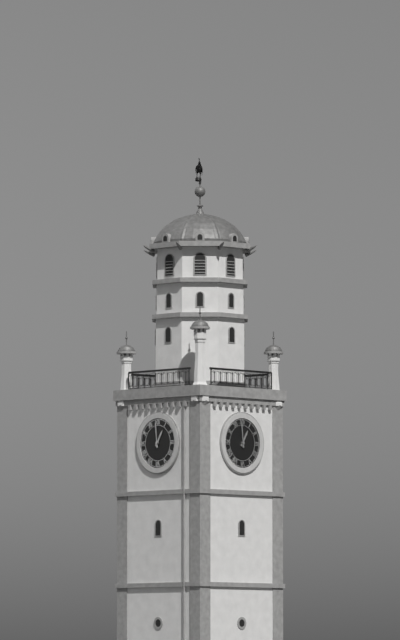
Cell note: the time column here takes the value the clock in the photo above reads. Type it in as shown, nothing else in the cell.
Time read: 12:59
